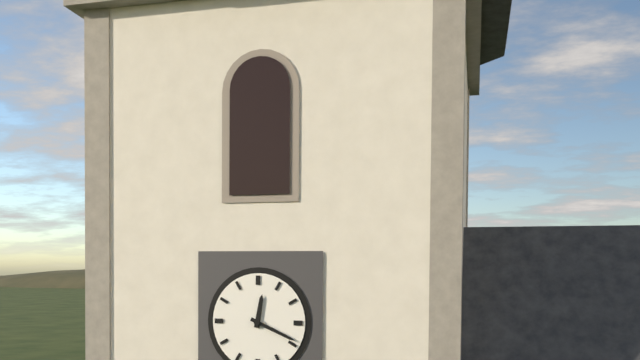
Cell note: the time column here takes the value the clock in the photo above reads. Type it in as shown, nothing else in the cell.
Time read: 12:19
